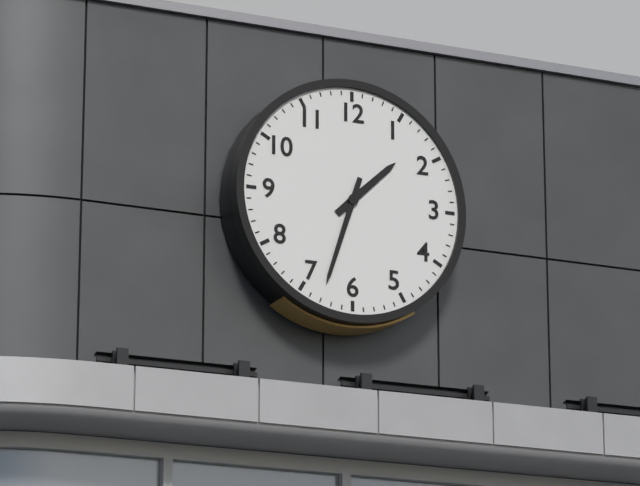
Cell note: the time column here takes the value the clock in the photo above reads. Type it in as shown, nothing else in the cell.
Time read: 1:33
